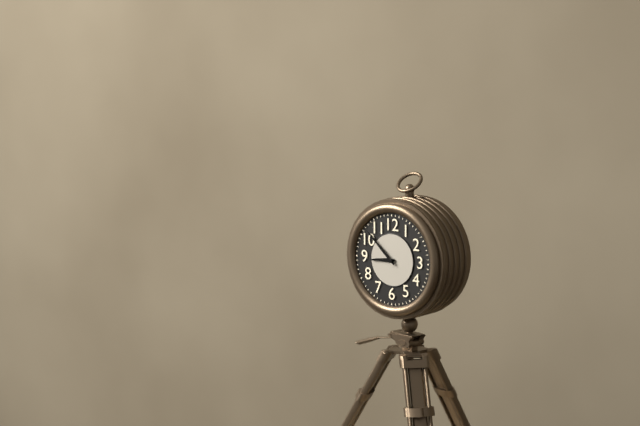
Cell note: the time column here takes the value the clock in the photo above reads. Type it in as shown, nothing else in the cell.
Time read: 8:52
